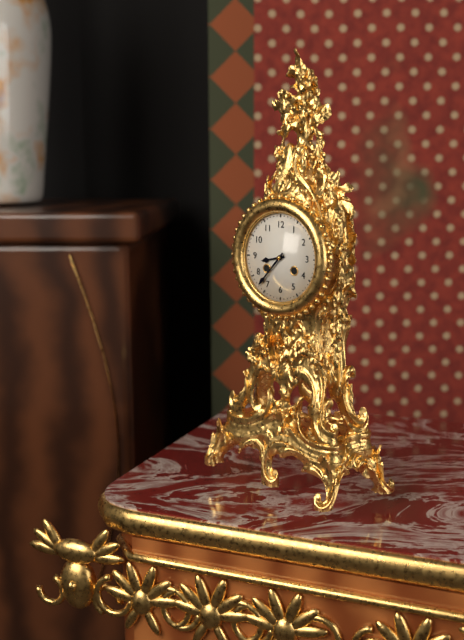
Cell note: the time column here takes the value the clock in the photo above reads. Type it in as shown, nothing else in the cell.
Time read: 8:37
